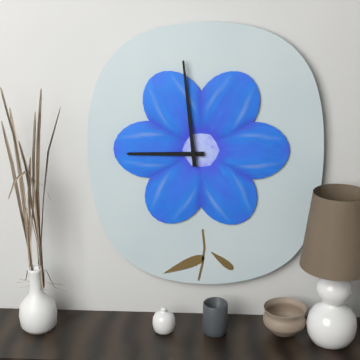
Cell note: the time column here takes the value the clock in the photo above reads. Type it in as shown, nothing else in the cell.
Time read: 8:59
